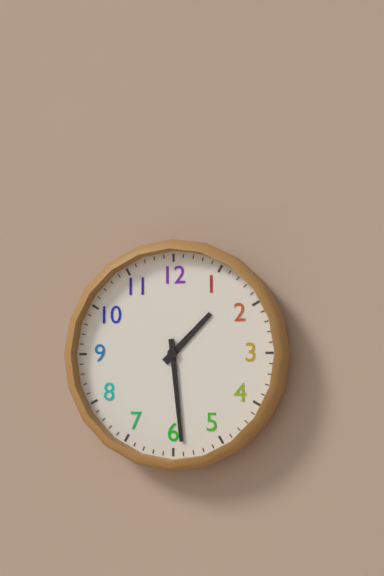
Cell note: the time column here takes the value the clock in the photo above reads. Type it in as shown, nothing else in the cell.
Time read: 1:29
